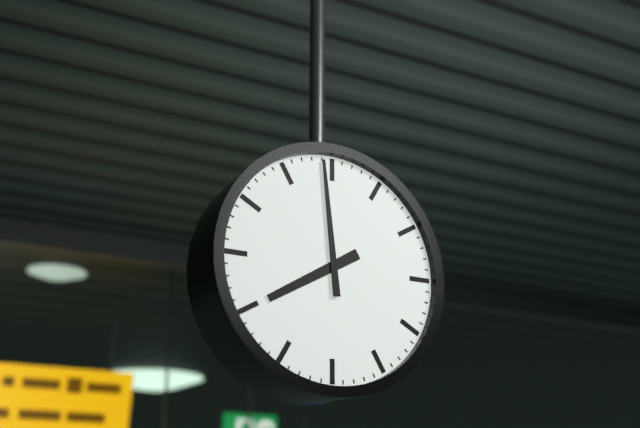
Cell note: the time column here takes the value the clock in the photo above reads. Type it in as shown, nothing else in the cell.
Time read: 7:59
